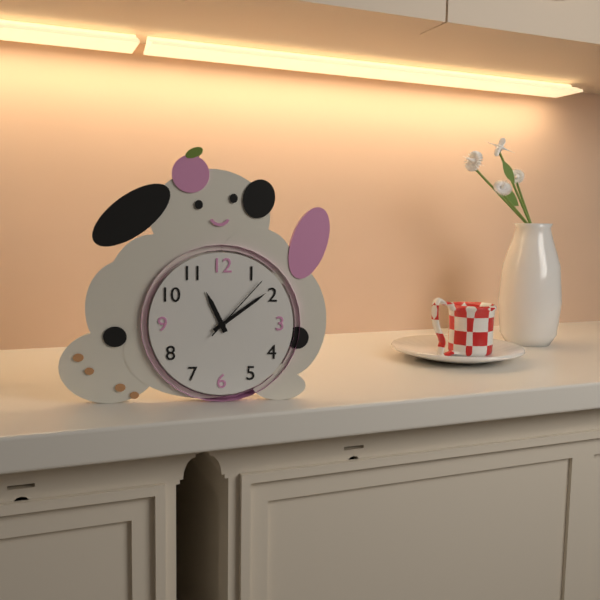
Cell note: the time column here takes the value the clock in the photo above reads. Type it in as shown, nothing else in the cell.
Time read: 11:09:07
